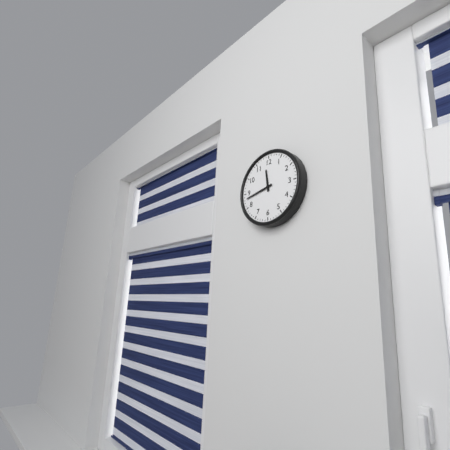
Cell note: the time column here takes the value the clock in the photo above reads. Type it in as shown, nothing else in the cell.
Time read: 11:43
